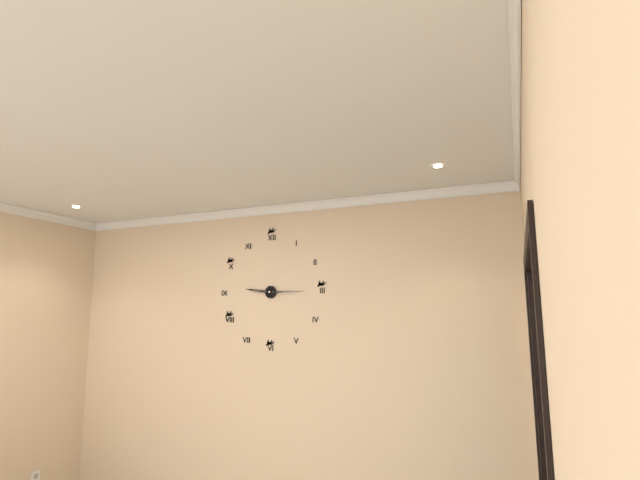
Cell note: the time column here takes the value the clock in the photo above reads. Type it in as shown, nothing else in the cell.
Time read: 9:15
